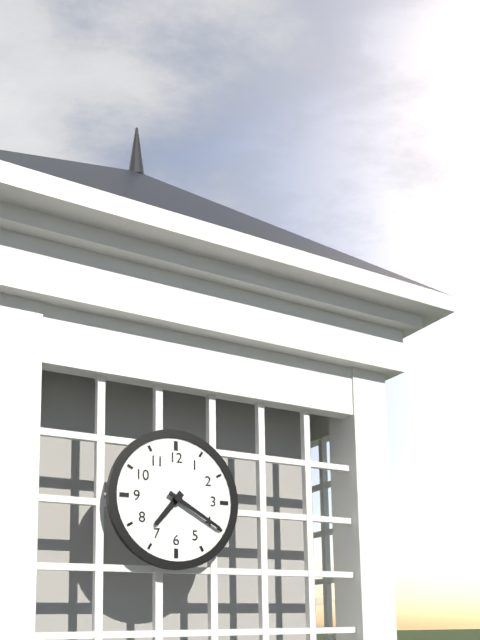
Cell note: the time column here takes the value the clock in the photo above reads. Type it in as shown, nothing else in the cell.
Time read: 7:20
